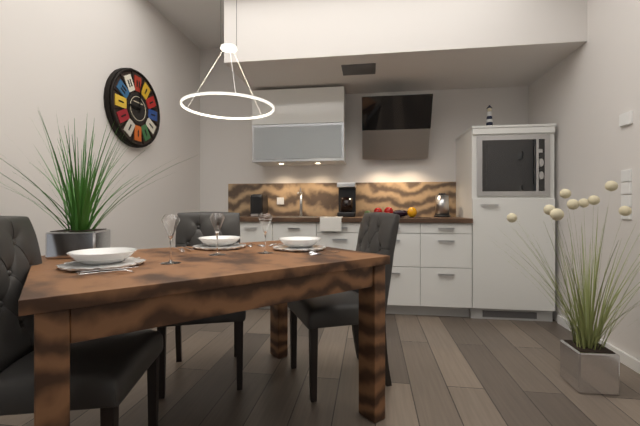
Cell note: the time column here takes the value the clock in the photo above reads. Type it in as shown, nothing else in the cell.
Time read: 9:01
